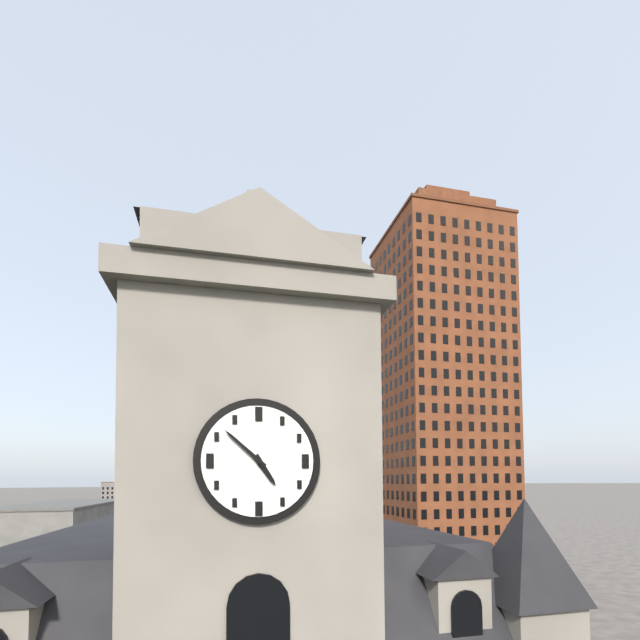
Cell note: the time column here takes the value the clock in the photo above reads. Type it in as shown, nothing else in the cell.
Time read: 4:52
